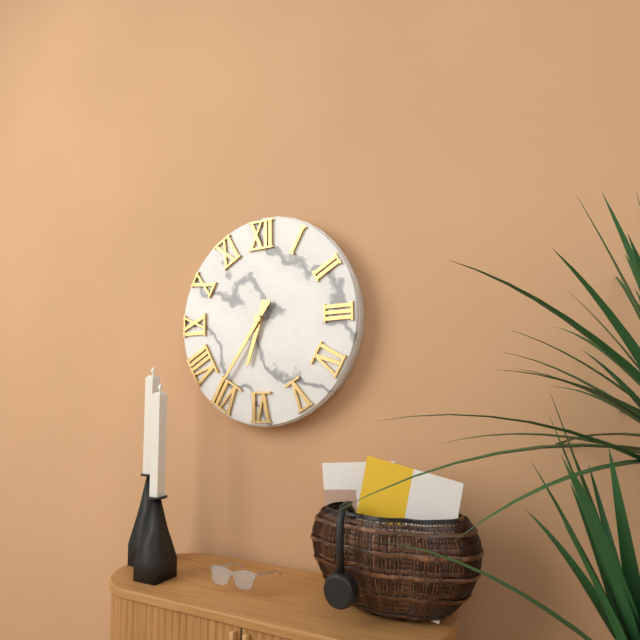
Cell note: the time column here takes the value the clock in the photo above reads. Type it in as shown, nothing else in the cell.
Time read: 6:36
